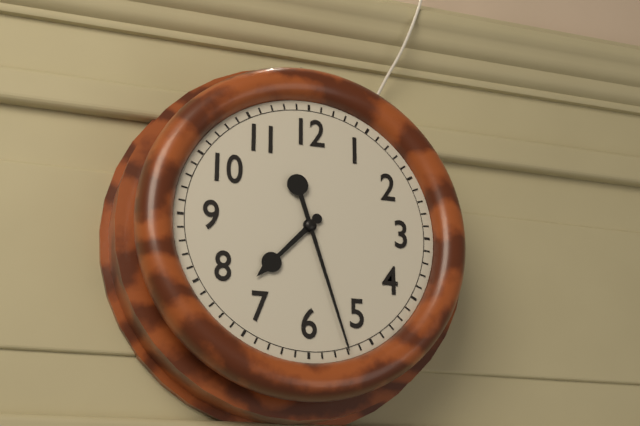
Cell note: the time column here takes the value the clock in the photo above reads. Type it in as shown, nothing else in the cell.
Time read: 7:27
